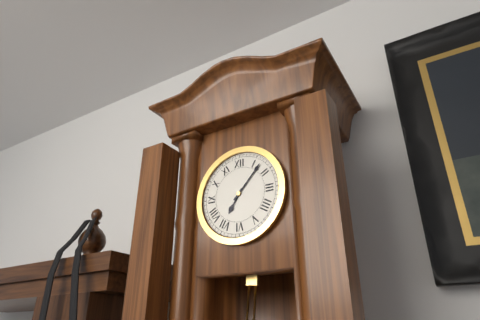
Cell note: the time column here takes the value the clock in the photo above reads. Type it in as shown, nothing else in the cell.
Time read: 7:07
